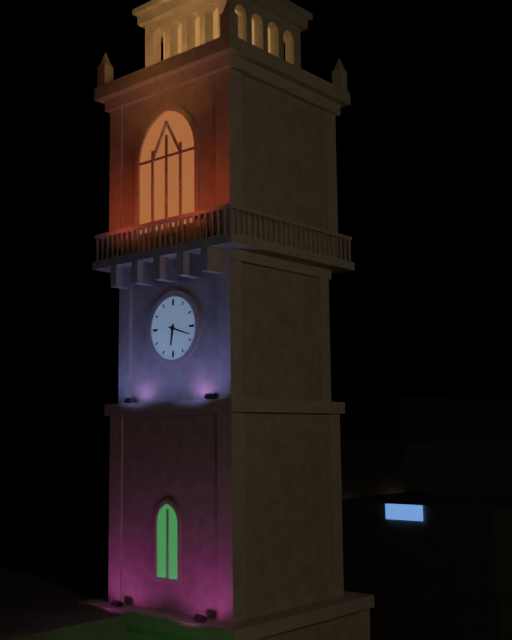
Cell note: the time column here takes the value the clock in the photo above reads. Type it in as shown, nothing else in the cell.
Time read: 6:18
